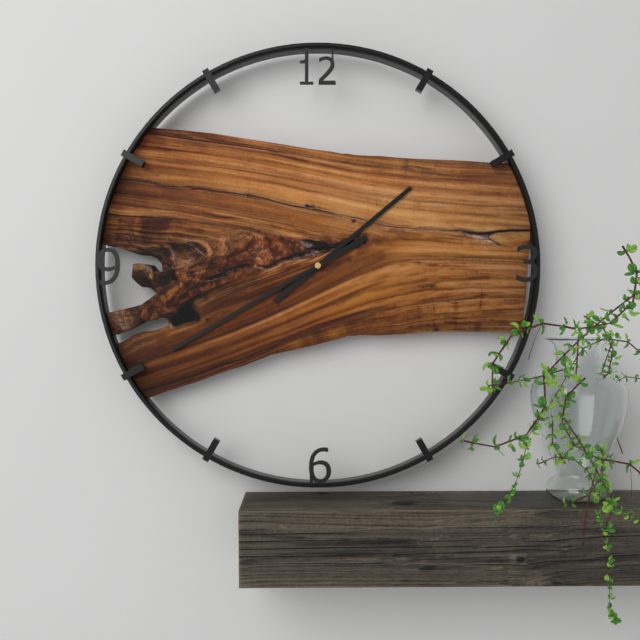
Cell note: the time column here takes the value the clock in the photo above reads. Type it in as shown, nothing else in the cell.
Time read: 1:40
